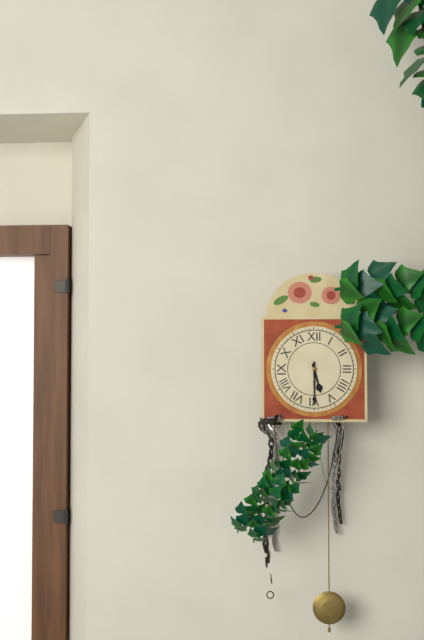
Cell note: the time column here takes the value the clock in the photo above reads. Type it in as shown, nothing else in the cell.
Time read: 5:30
